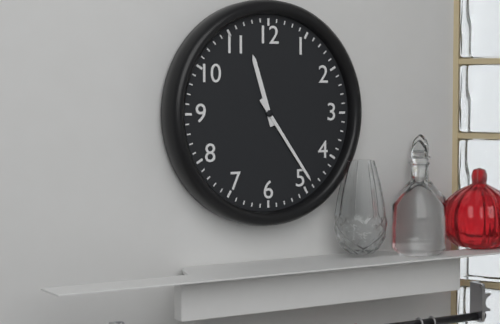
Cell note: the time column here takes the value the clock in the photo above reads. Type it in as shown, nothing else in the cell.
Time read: 11:24
